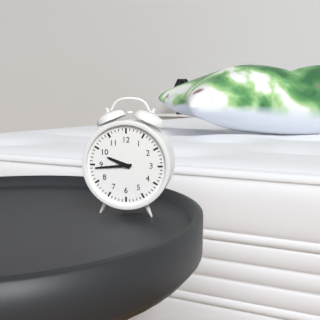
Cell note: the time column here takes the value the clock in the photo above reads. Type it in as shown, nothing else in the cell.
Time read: 9:44
